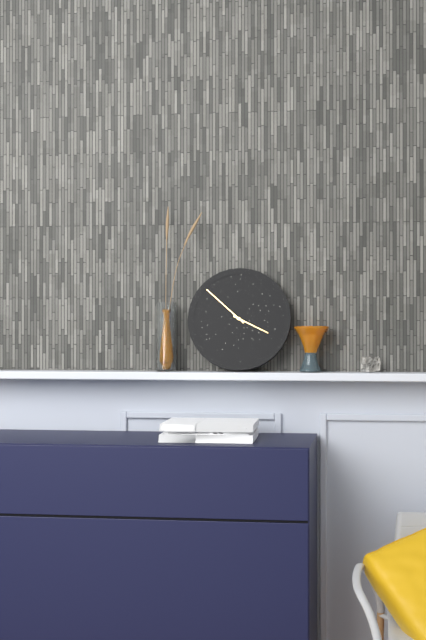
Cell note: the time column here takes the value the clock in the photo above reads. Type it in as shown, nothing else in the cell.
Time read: 3:52
